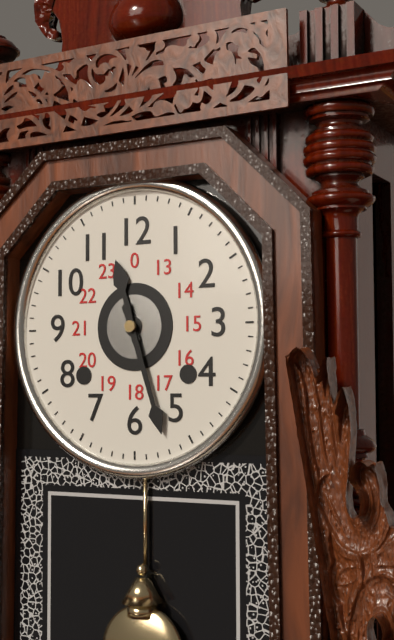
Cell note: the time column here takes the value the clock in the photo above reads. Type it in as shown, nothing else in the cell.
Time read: 11:27
